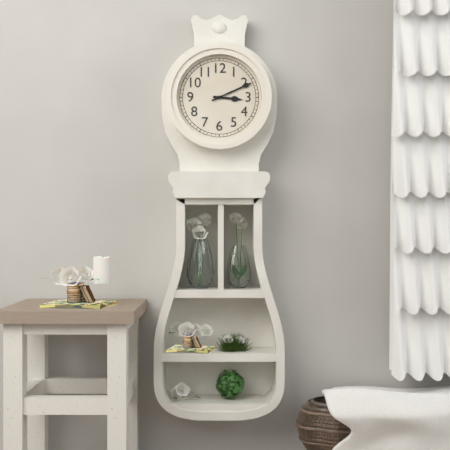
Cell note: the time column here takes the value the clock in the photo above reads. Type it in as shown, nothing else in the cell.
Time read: 3:11
